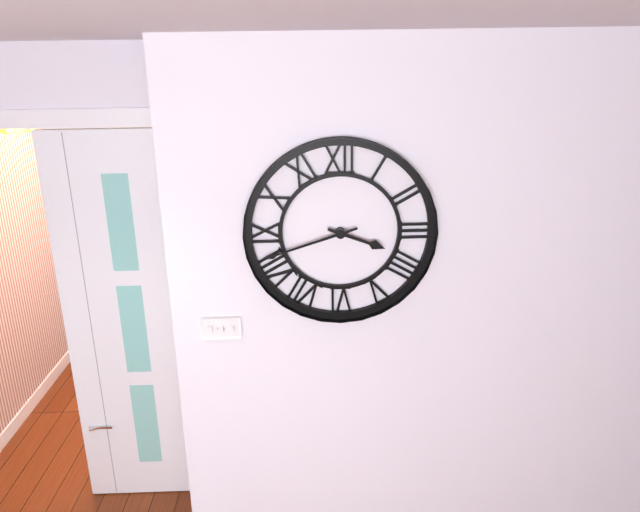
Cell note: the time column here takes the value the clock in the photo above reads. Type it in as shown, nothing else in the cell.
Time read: 3:42
